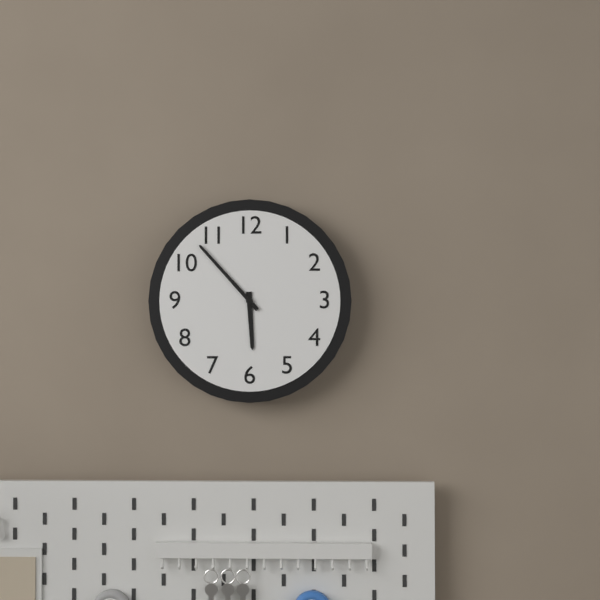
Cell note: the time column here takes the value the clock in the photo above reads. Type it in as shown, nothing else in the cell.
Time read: 5:53
